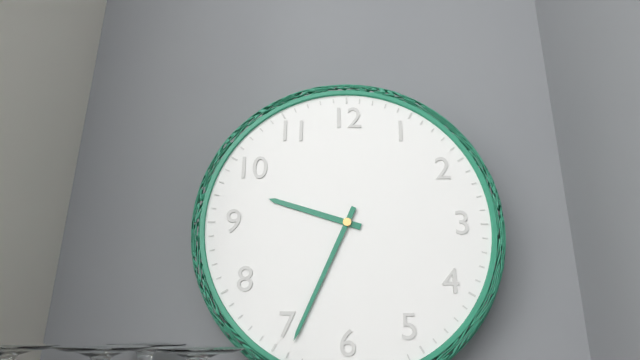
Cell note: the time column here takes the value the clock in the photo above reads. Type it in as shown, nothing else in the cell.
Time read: 9:34
